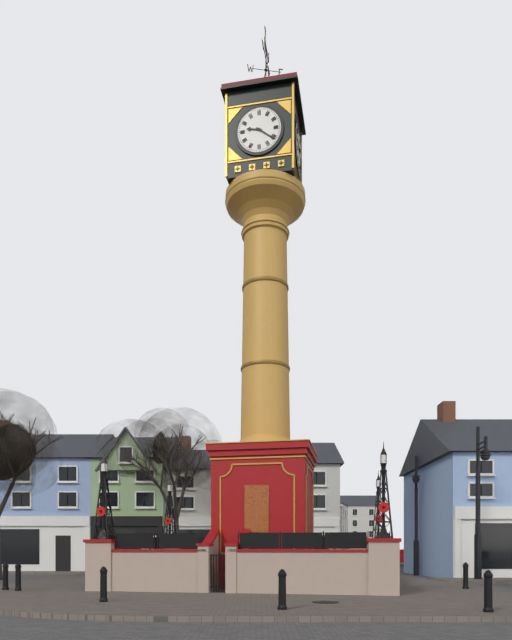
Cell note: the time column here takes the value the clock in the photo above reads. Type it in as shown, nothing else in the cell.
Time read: 9:21
